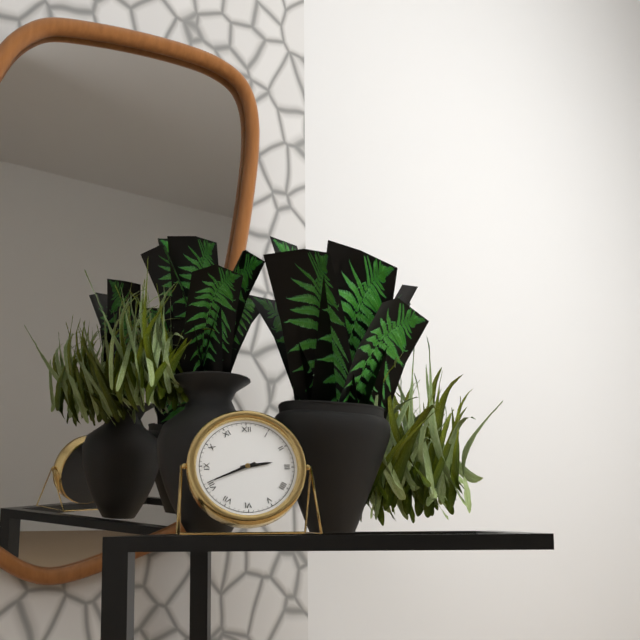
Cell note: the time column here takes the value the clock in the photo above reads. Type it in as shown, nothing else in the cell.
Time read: 2:41
